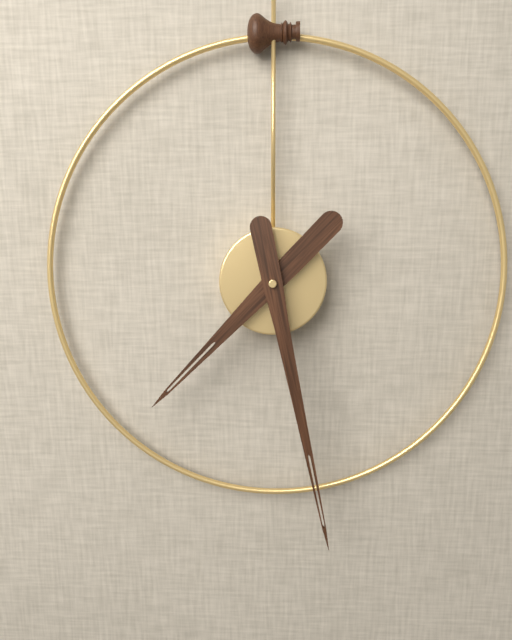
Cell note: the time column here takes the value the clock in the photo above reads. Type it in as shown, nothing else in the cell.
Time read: 7:28
